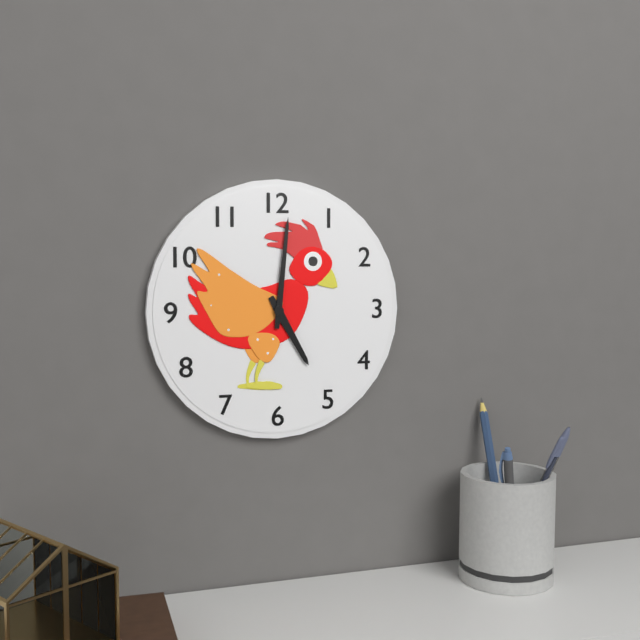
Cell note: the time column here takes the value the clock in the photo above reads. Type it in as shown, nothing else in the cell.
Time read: 5:01
